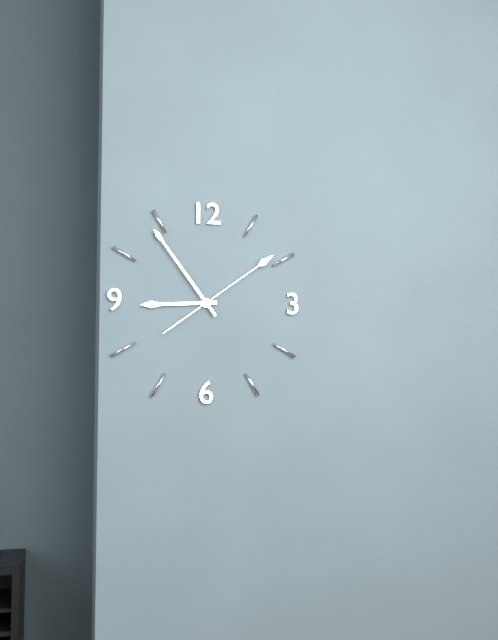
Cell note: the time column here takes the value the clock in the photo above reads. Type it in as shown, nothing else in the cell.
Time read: 8:54:09
